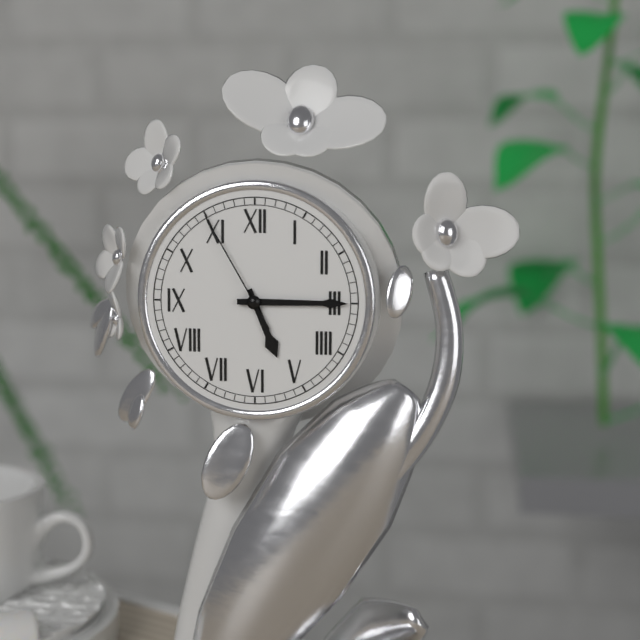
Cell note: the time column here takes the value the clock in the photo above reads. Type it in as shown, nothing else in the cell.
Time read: 5:15:55
